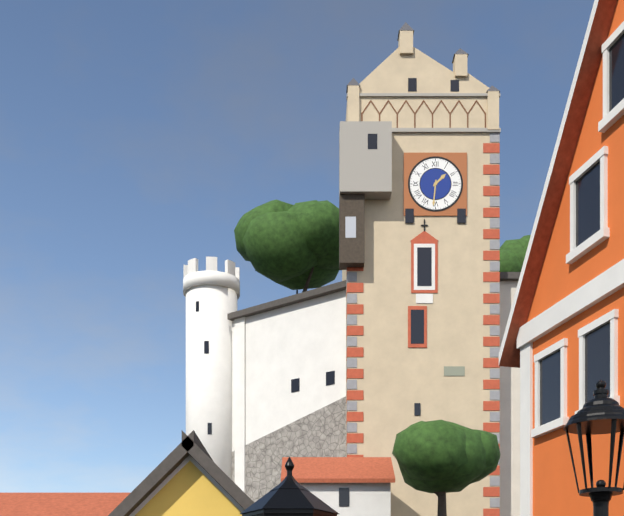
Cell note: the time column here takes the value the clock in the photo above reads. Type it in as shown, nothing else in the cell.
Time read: 1:31
